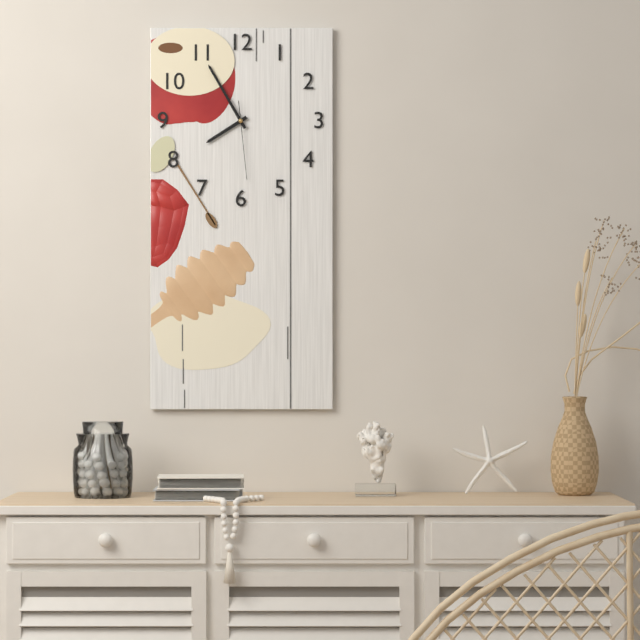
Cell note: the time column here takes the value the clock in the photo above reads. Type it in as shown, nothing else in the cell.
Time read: 7:55:29
